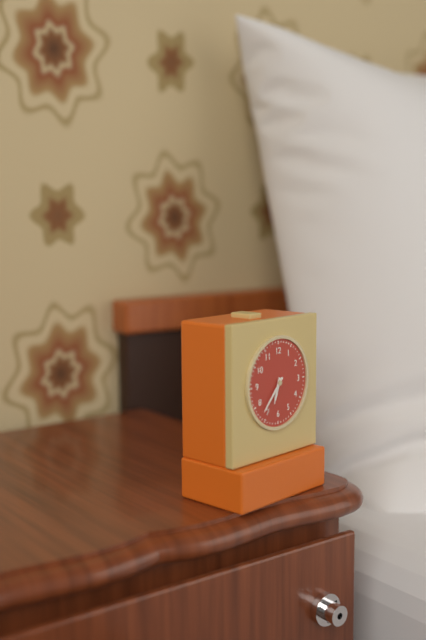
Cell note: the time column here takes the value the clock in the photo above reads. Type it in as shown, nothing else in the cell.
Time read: 6:37
